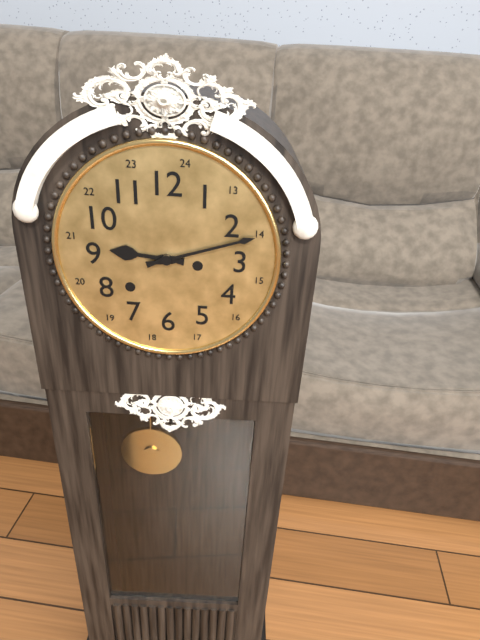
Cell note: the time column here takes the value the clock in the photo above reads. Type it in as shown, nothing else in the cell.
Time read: 9:12
